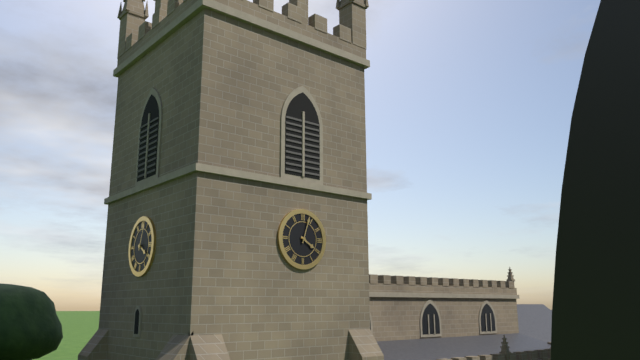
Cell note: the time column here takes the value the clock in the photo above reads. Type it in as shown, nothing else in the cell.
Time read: 4:03
